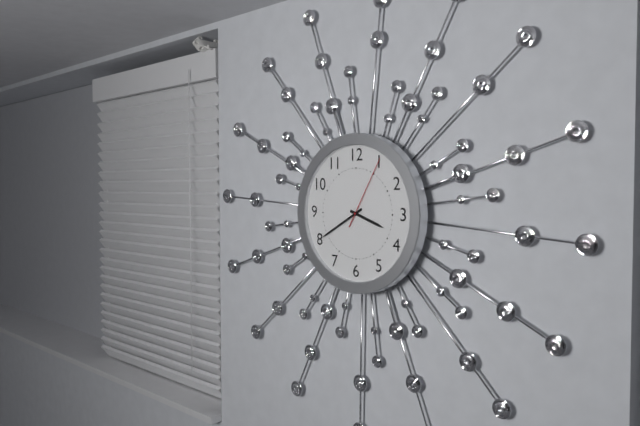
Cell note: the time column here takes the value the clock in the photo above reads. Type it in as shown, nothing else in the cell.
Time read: 3:40:05
